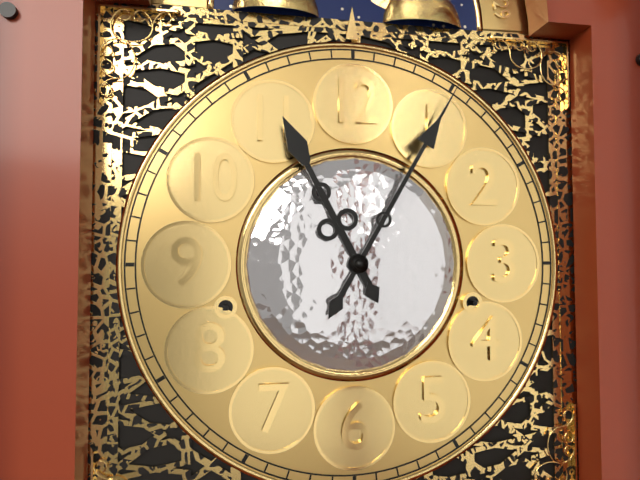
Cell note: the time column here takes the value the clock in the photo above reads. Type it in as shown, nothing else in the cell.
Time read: 11:05
